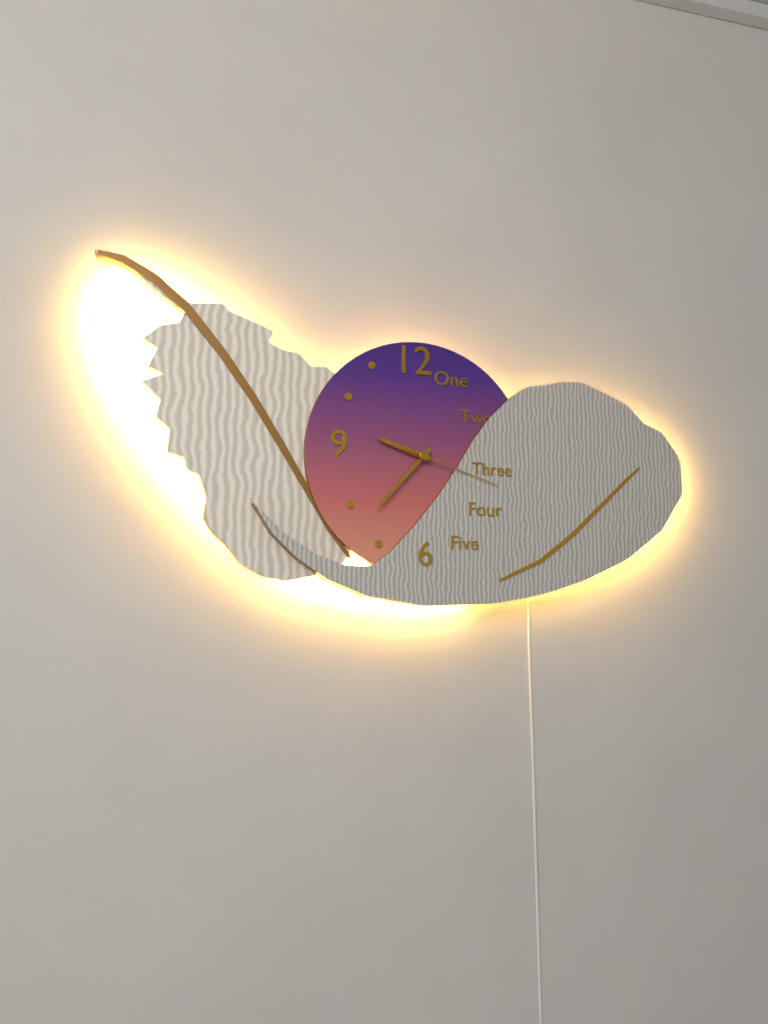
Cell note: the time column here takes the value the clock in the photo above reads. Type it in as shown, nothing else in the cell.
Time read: 9:37:18
